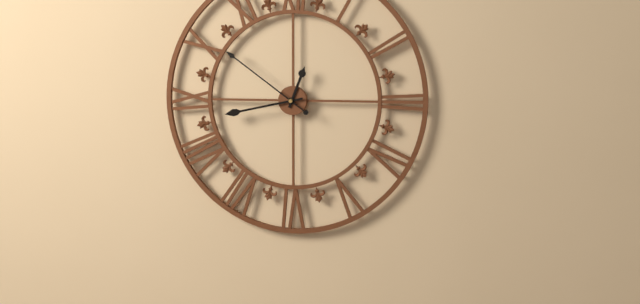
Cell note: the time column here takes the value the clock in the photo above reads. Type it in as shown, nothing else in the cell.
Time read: 12:43:51
